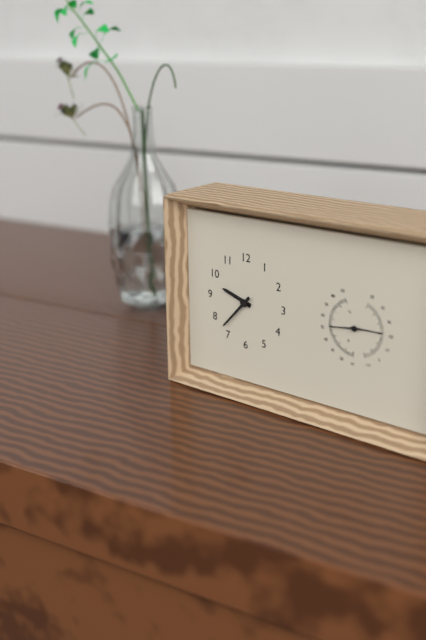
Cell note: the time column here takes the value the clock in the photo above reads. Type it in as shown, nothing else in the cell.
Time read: 9:37
